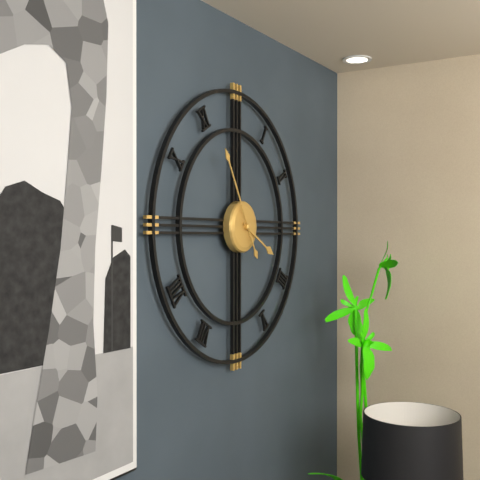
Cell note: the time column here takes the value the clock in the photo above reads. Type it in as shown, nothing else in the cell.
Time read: 3:55
